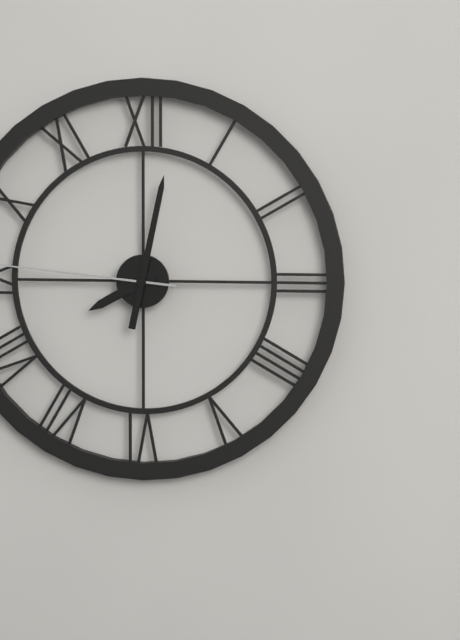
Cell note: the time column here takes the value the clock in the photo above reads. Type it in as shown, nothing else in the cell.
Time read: 8:02
